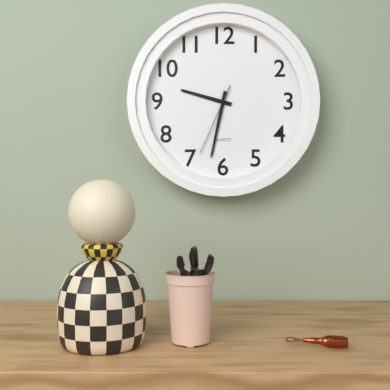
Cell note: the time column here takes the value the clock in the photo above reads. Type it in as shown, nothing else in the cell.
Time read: 9:32:34
